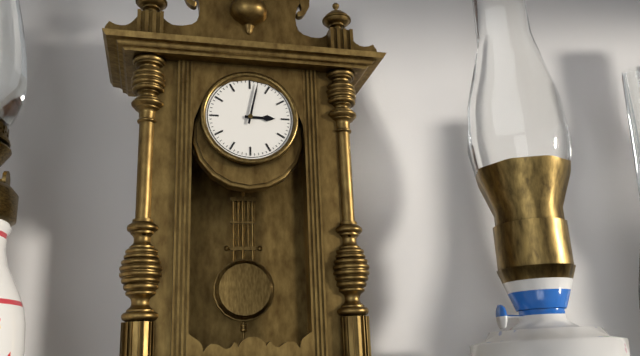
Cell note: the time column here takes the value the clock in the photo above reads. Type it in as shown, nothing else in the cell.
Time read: 3:02
